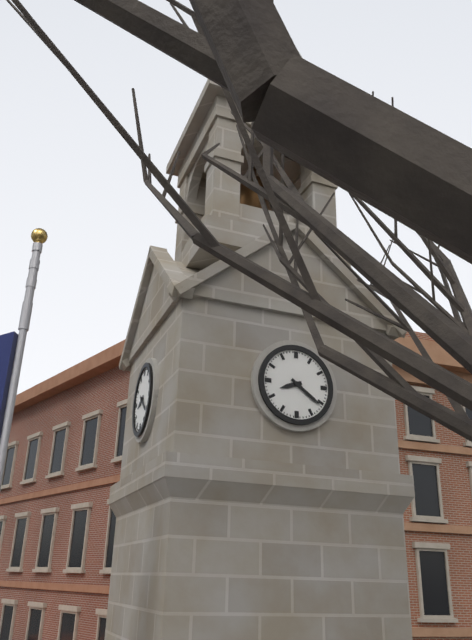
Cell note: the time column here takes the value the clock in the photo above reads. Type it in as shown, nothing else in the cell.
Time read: 8:21
